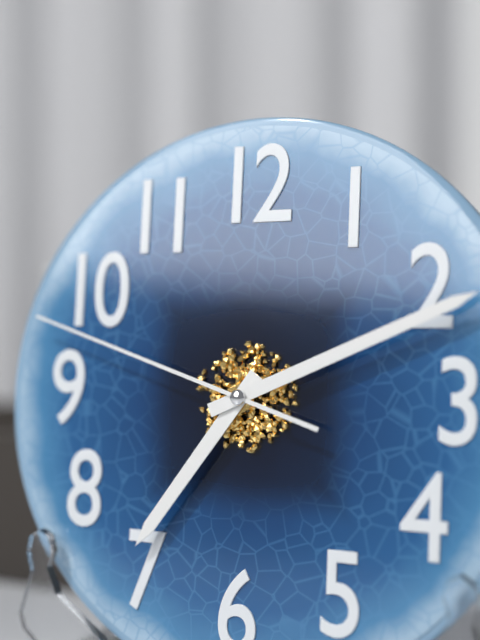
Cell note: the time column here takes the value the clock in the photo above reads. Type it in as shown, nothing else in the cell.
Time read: 7:11:48
